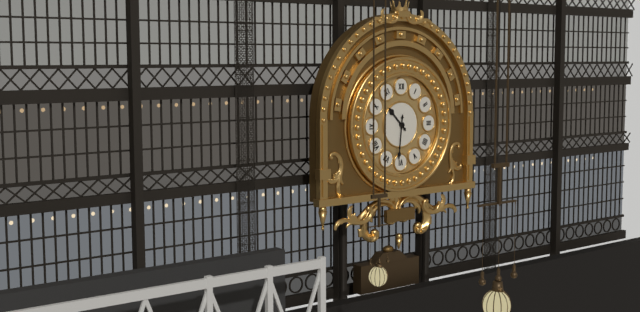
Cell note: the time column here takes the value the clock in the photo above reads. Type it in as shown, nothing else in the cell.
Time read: 10:31
